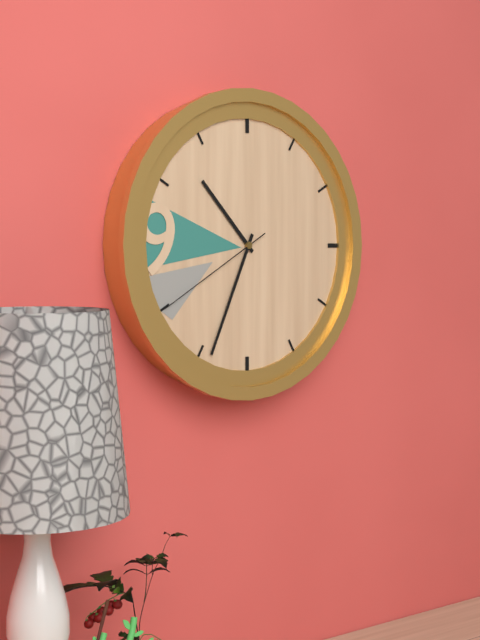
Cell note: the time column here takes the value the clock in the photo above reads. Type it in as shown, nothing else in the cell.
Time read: 10:34:40
